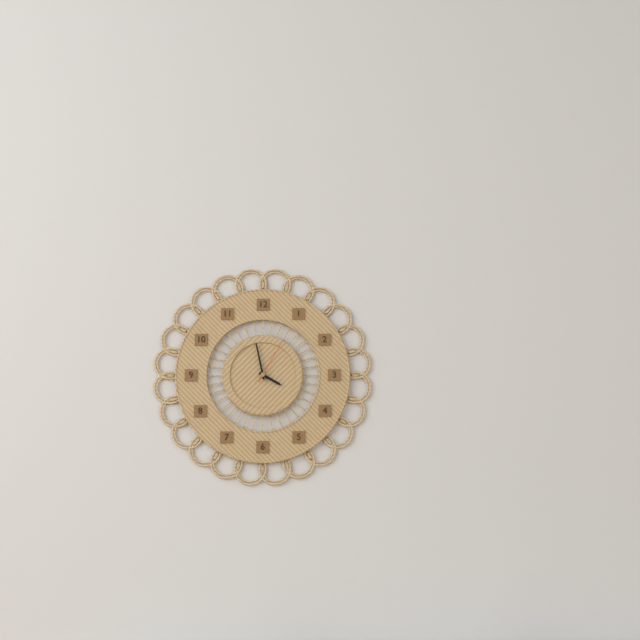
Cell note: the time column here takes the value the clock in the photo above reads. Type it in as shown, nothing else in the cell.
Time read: 3:58
